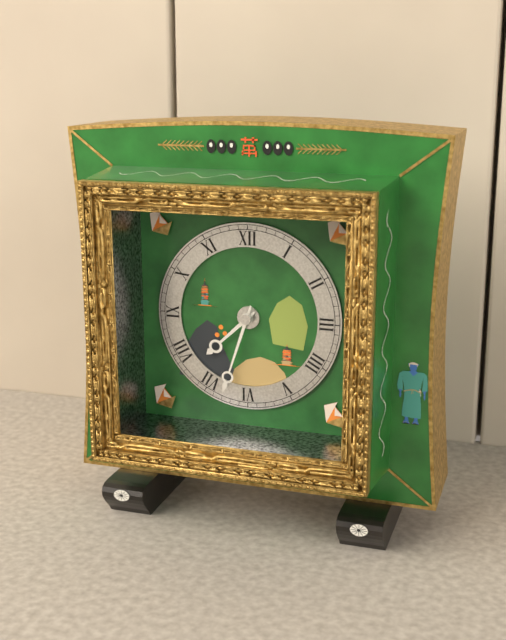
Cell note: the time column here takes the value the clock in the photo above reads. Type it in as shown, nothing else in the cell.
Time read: 7:33
